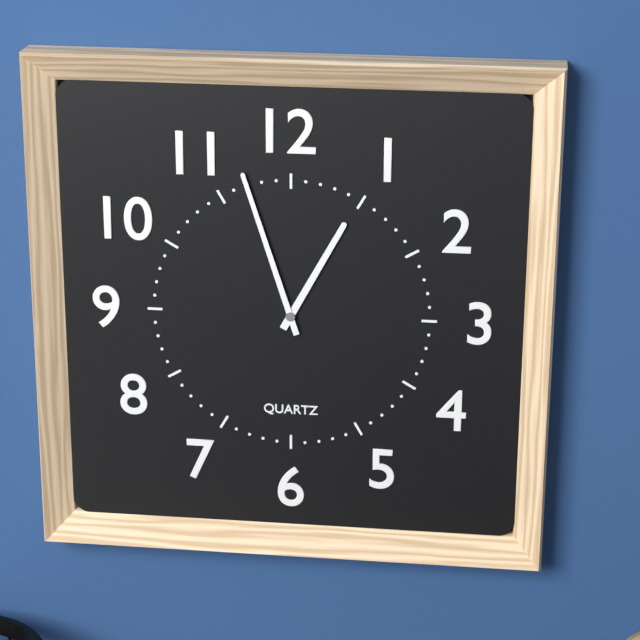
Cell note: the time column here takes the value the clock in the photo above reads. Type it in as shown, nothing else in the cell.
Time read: 12:57
